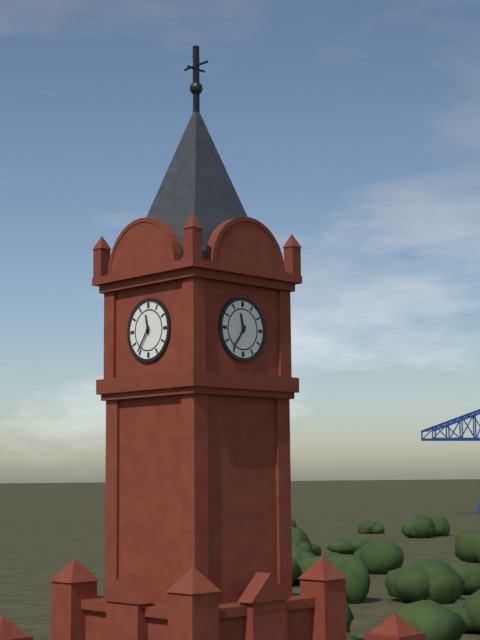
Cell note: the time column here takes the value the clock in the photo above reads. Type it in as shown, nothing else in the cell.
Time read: 11:36
